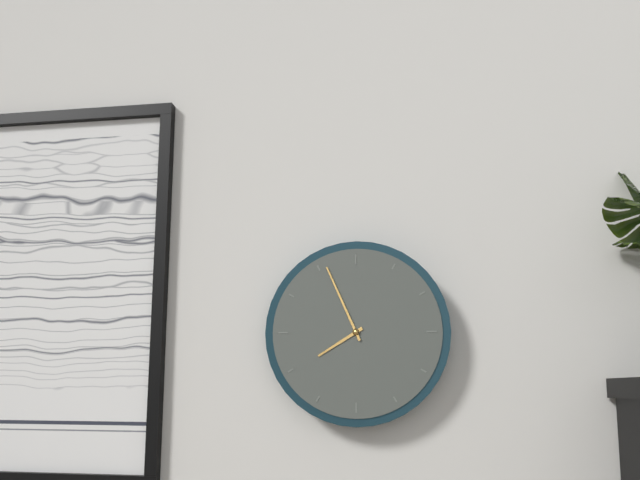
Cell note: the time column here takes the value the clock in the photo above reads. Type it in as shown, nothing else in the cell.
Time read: 7:56
